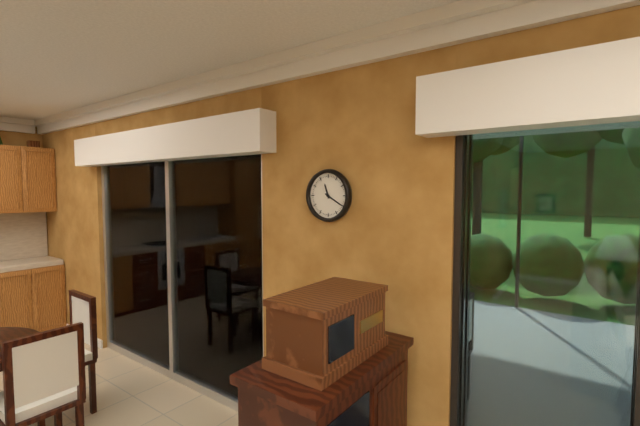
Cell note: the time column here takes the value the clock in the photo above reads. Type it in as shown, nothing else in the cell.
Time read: 11:20
